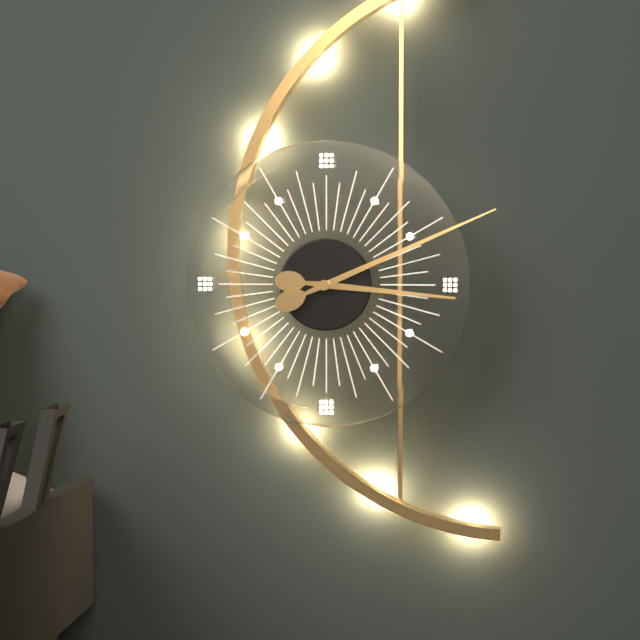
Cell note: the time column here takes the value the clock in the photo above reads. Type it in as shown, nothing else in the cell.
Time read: 3:11
